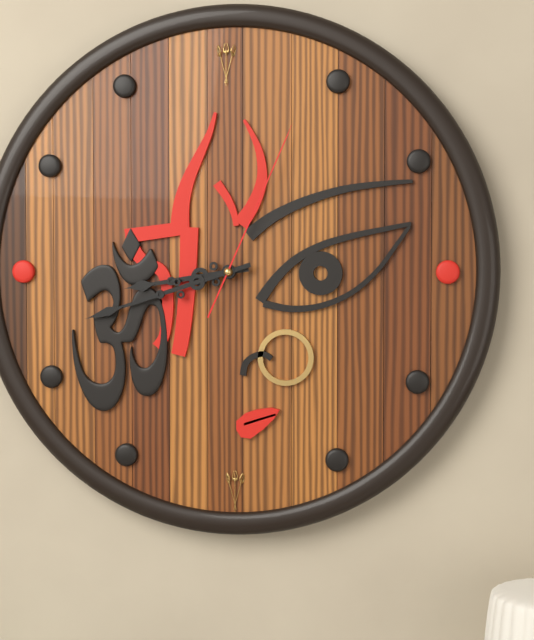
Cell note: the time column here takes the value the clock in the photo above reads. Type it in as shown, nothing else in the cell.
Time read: 8:42:04
